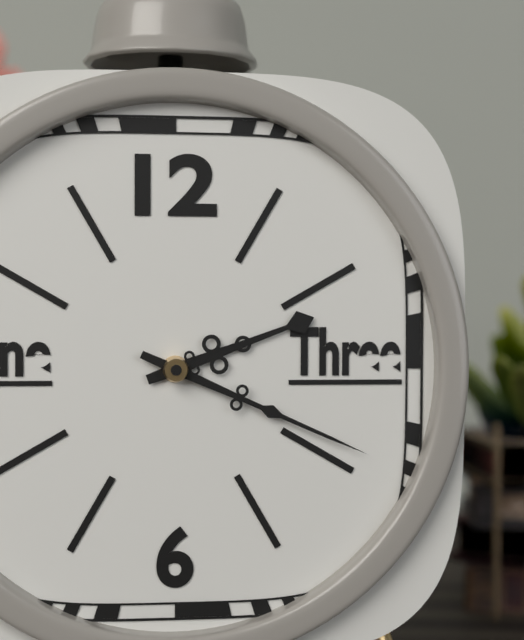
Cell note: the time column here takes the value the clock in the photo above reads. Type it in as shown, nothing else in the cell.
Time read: 2:19
